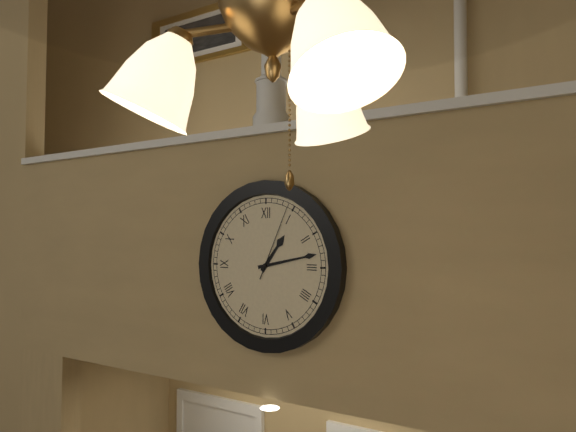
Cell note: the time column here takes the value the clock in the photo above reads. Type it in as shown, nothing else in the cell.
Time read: 1:13:04
